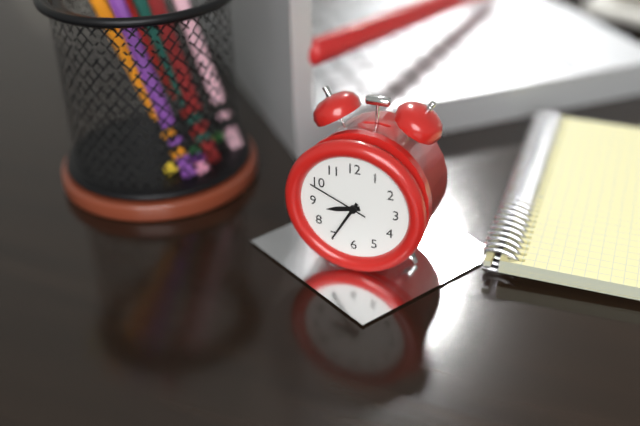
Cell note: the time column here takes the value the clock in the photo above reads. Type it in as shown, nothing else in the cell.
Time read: 8:35:49
